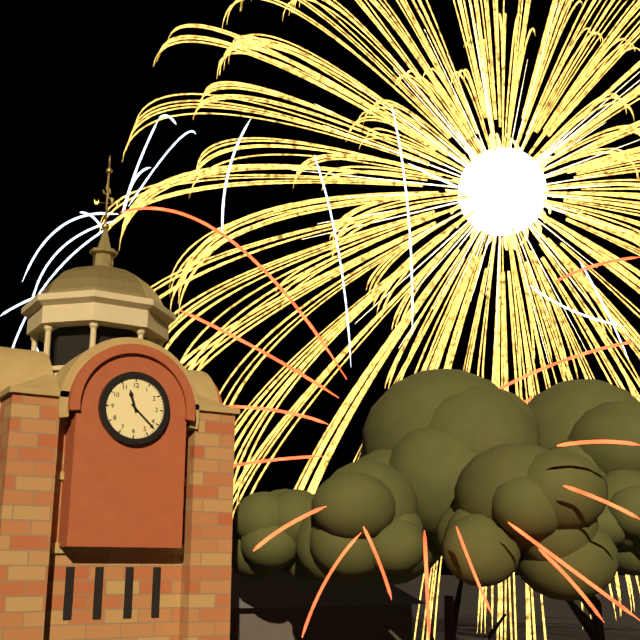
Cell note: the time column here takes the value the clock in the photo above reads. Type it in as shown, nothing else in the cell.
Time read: 11:22
